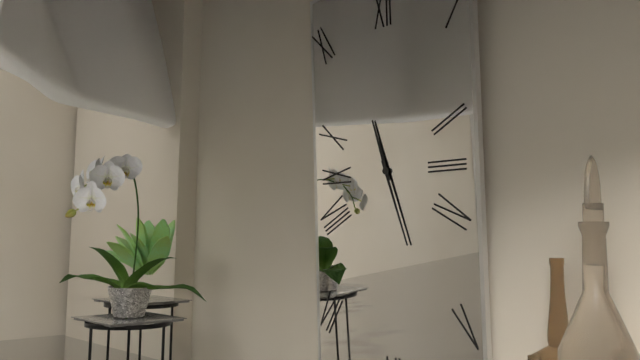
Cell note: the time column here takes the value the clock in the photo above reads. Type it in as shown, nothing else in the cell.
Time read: 11:27
